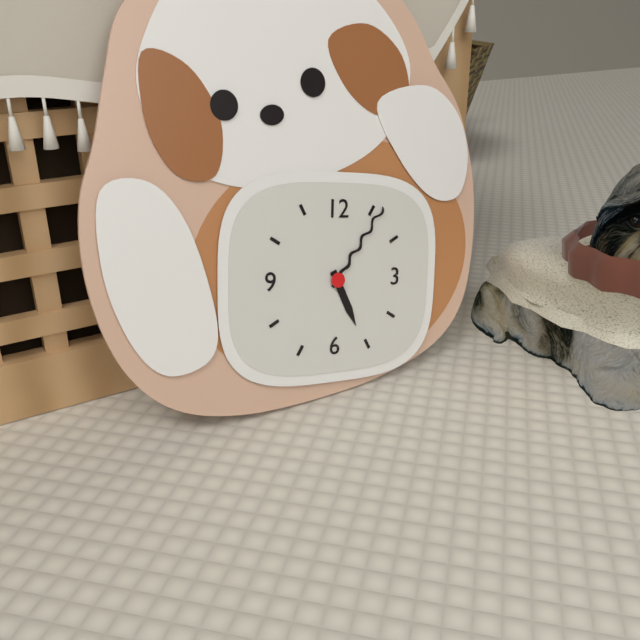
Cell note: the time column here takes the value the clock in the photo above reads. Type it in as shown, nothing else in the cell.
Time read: 5:06
